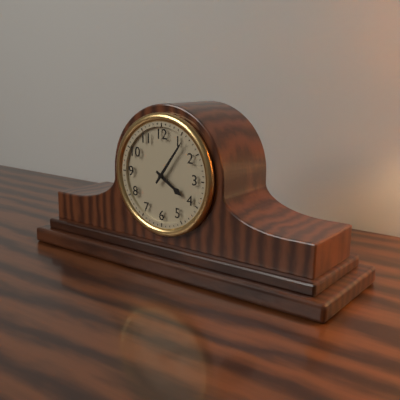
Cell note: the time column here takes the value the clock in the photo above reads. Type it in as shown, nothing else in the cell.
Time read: 4:06
